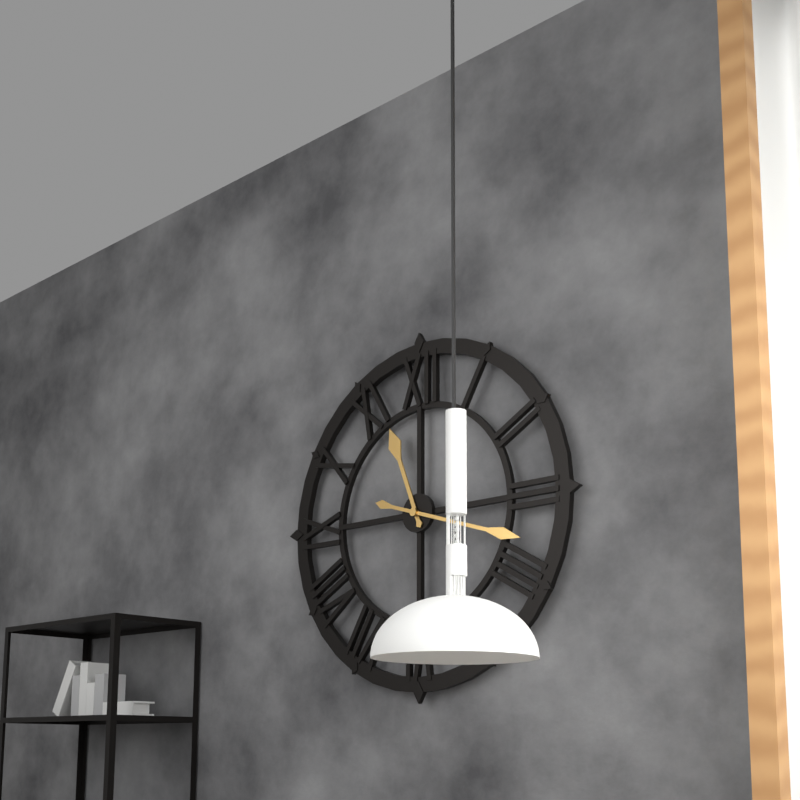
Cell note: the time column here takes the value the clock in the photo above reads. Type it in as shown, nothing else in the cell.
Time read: 11:18
